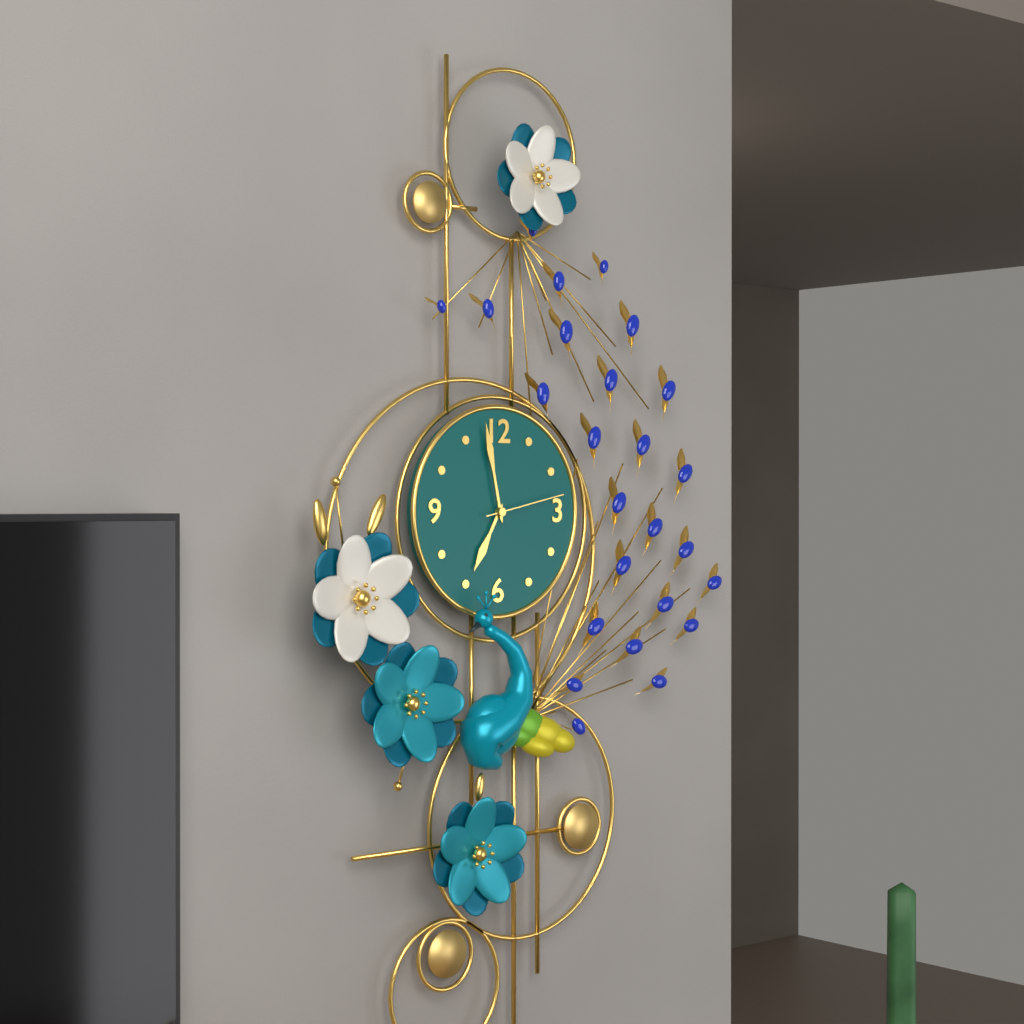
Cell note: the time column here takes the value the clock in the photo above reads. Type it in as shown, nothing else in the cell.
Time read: 6:58:13
